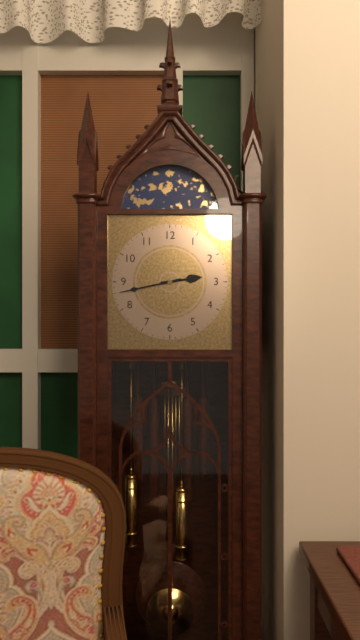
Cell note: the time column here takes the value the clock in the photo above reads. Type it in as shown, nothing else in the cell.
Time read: 2:43
